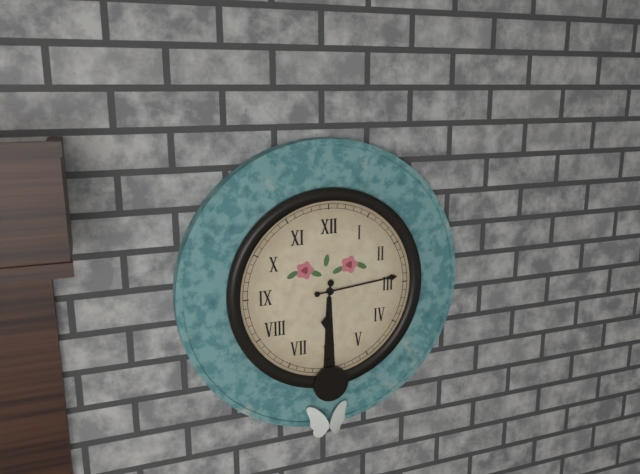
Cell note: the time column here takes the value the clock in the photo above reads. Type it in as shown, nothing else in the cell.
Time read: 6:14
